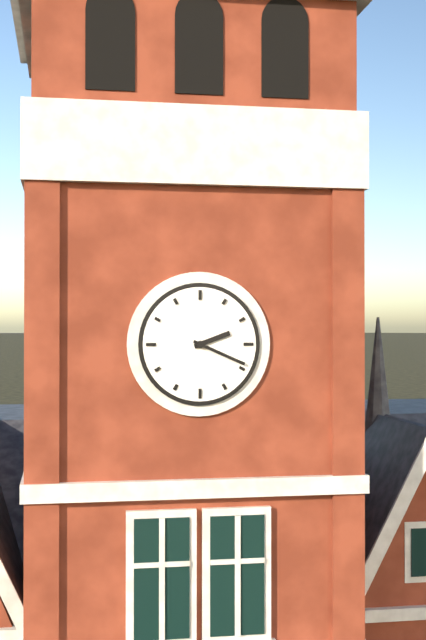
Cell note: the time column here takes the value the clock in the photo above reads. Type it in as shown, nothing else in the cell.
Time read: 2:19
